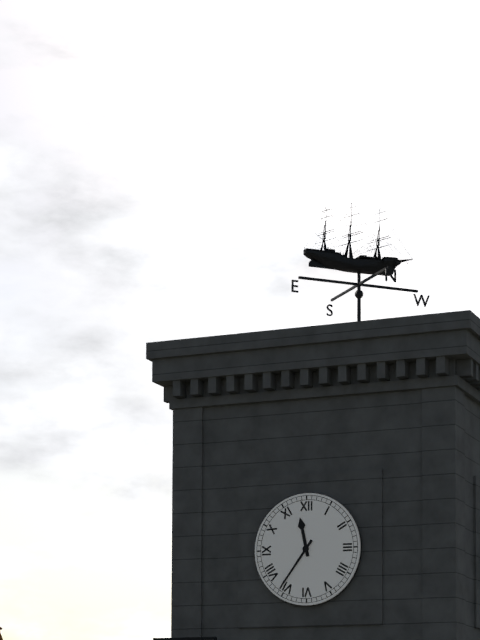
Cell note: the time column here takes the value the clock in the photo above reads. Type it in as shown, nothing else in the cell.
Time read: 11:36
